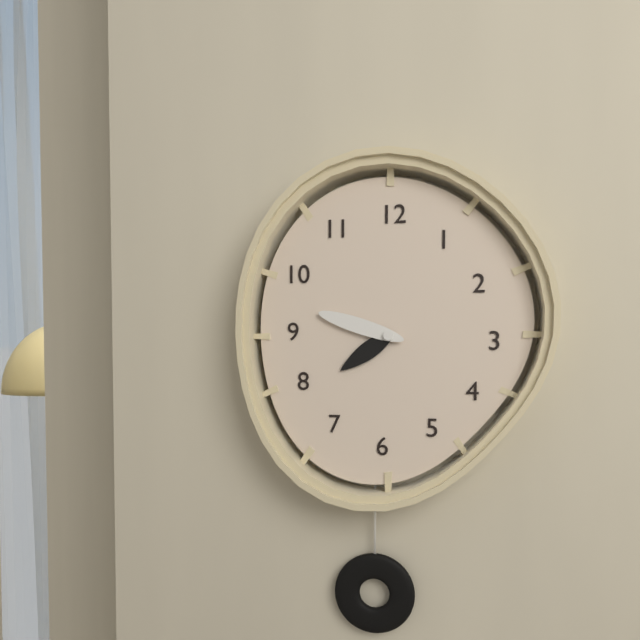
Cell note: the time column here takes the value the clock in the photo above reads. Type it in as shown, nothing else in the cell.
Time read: 7:48
